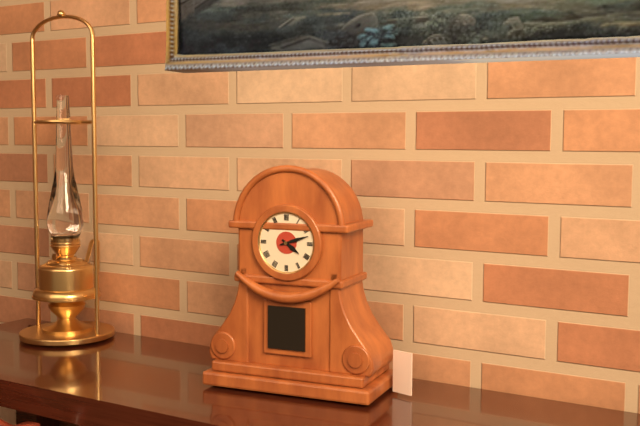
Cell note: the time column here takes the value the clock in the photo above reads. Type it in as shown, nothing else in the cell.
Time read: 4:12
